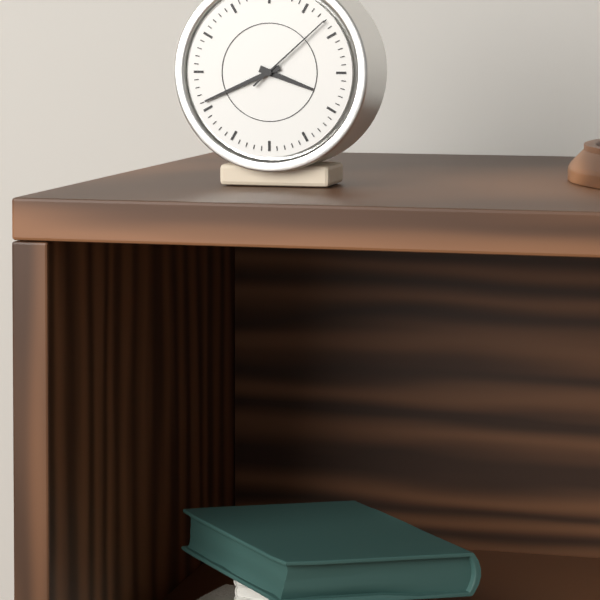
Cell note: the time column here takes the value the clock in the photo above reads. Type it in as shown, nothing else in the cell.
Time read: 3:41:08
